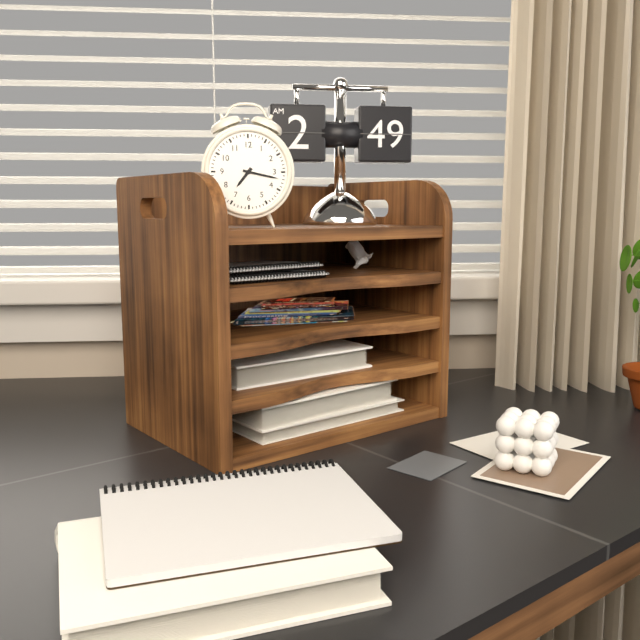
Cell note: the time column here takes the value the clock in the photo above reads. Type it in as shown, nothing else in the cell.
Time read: 7:17
